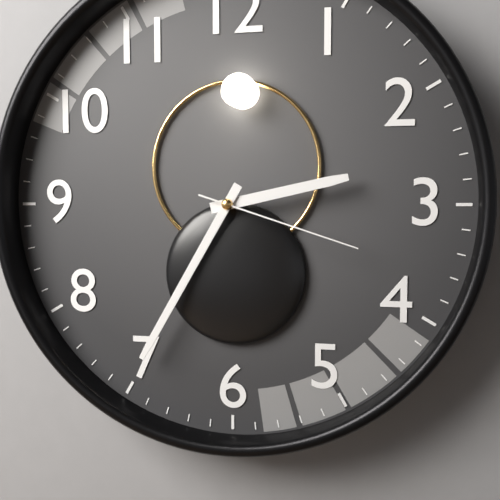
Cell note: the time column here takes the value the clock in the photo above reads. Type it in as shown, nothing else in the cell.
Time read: 2:35:18
